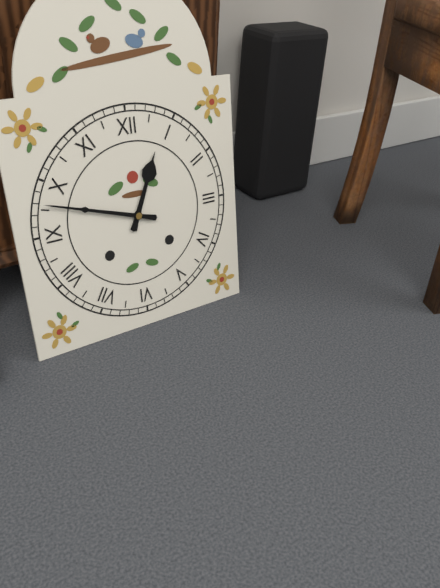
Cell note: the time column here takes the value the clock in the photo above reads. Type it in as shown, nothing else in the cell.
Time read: 12:48
